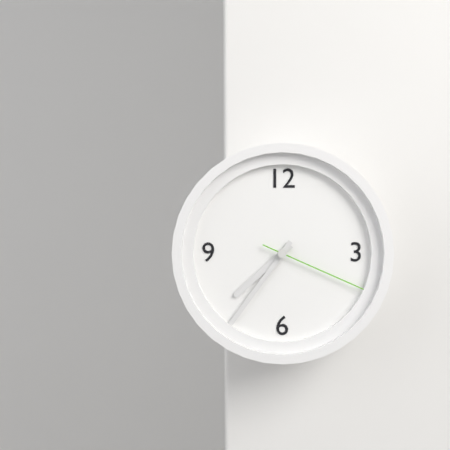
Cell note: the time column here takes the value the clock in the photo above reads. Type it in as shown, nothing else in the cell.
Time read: 7:36:19
